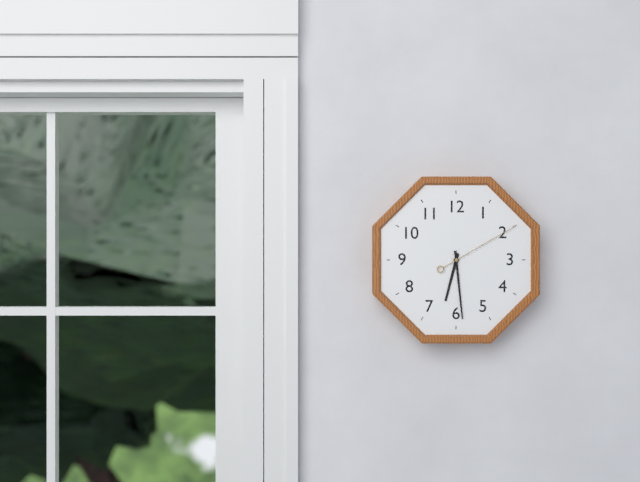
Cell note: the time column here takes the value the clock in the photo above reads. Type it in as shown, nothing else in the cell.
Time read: 6:29:10
